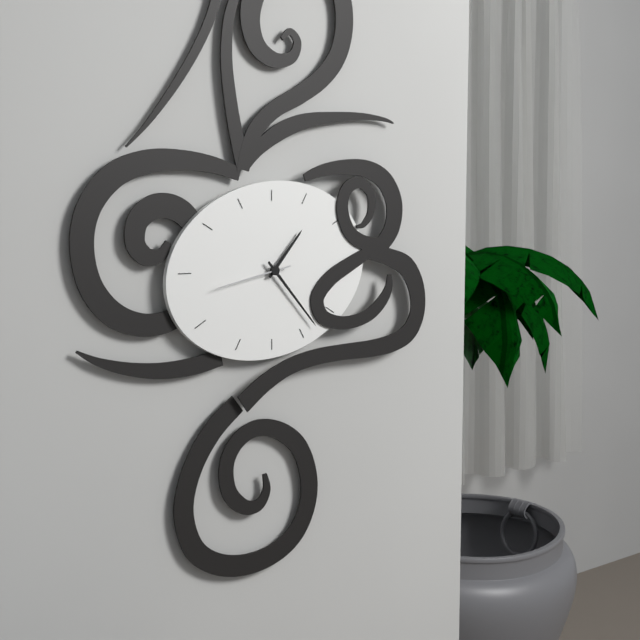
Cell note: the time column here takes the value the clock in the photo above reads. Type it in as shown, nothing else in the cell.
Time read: 1:23:43
